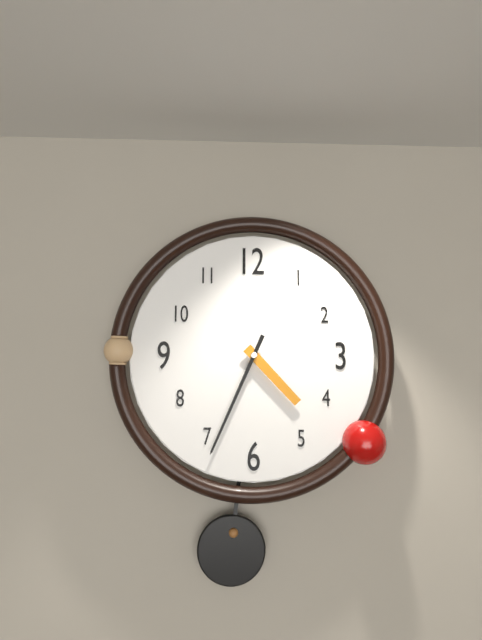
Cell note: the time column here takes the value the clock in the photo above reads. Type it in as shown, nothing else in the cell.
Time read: 4:34
